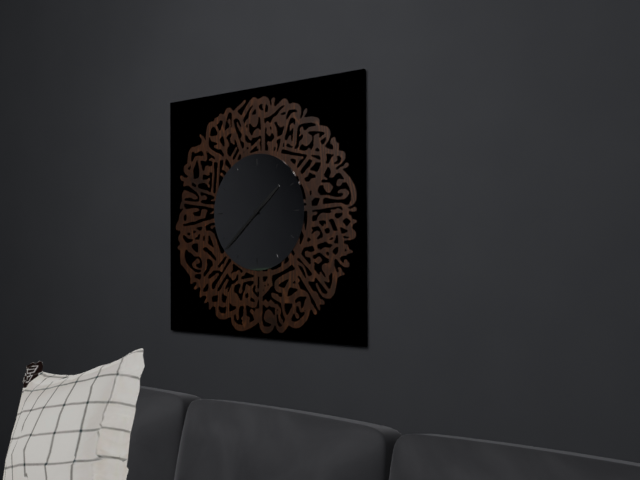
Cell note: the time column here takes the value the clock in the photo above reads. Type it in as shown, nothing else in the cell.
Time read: 1:38
